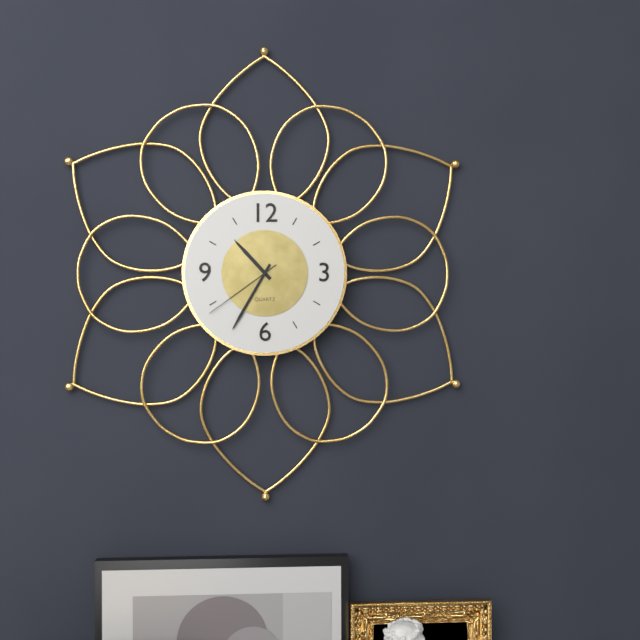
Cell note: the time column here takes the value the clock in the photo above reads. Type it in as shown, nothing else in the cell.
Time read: 10:35:39
